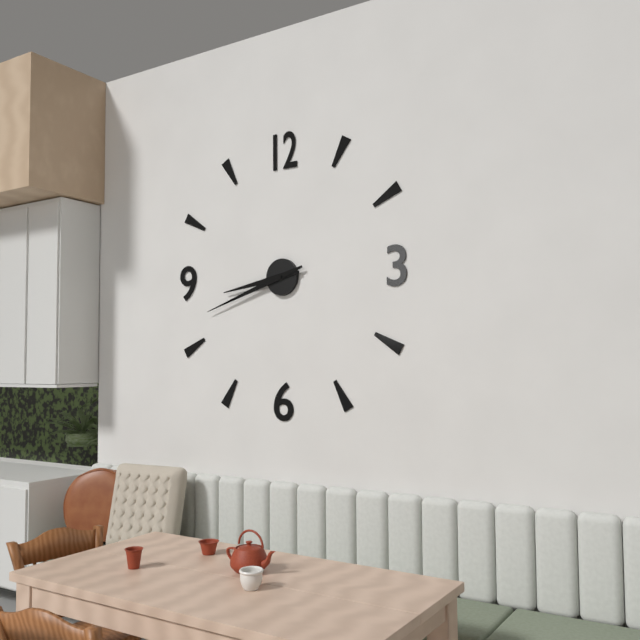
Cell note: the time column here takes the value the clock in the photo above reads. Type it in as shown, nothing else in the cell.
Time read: 8:42
